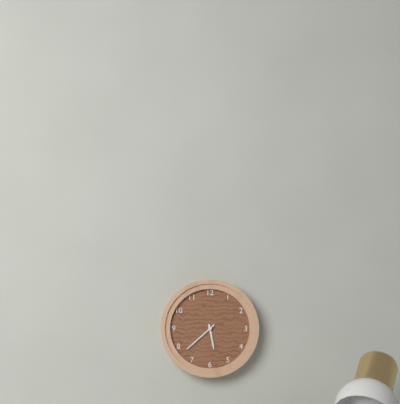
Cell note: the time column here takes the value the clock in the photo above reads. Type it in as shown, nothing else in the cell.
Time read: 5:38
